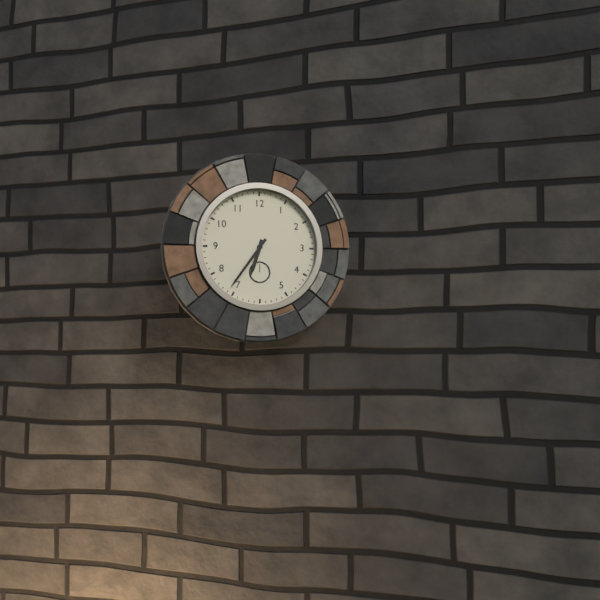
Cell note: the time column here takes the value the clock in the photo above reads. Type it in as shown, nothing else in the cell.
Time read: 6:36
